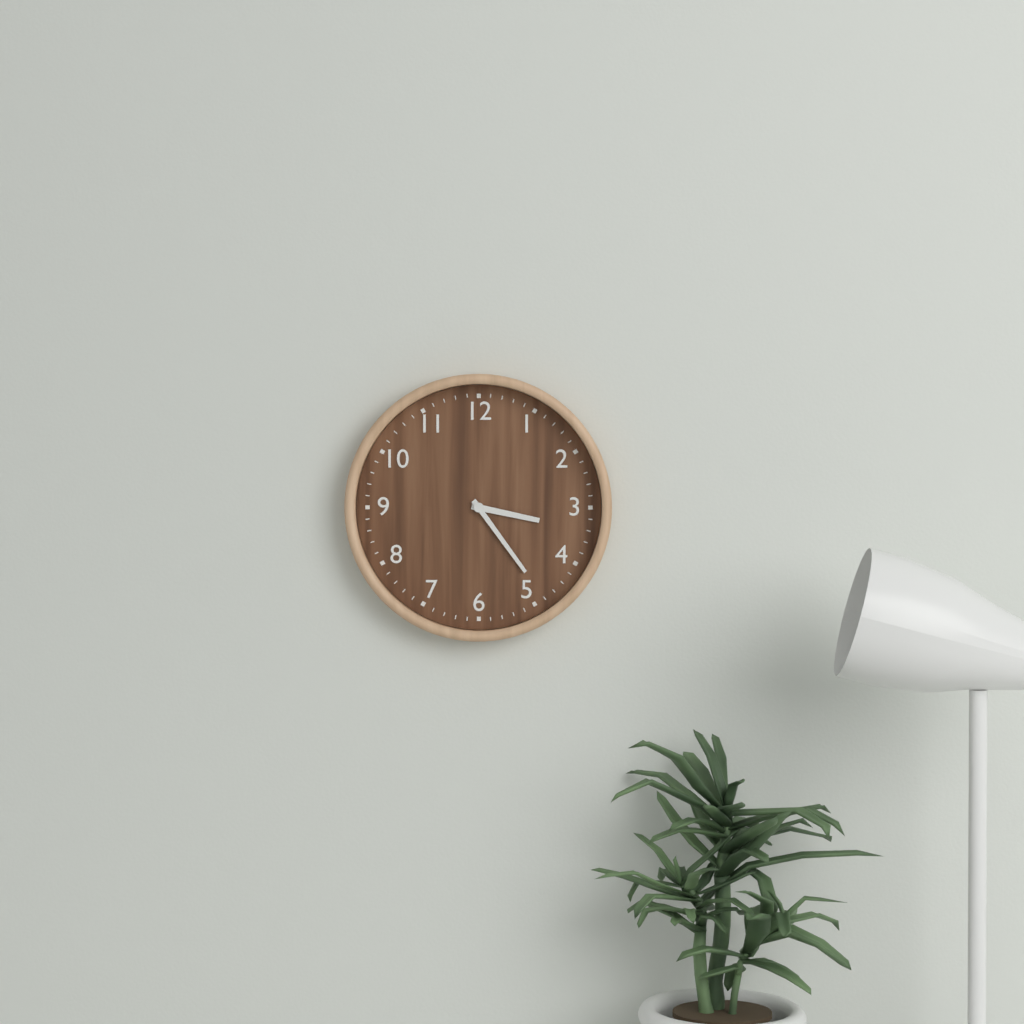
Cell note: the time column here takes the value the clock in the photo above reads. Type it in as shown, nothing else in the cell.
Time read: 3:24
